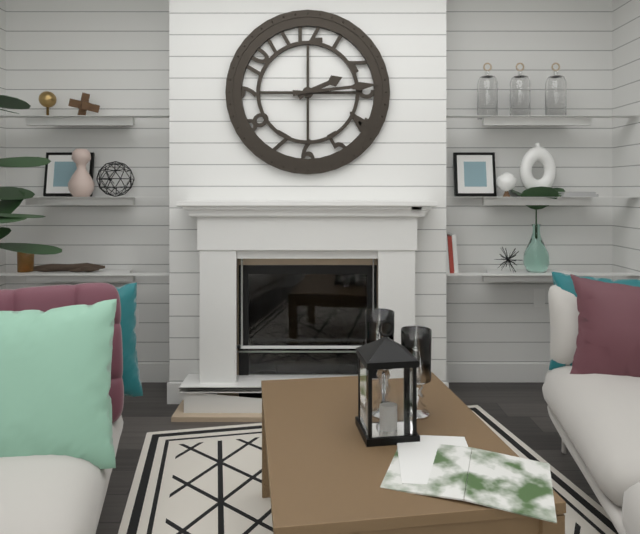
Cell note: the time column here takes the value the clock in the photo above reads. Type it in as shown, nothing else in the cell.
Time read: 2:14
